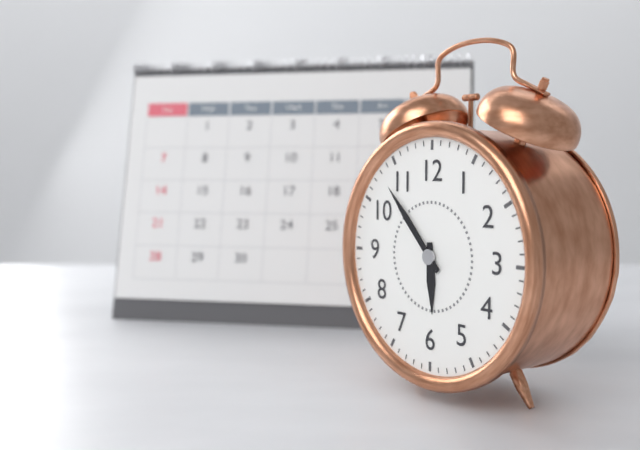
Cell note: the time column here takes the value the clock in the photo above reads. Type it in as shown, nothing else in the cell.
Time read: 5:53
